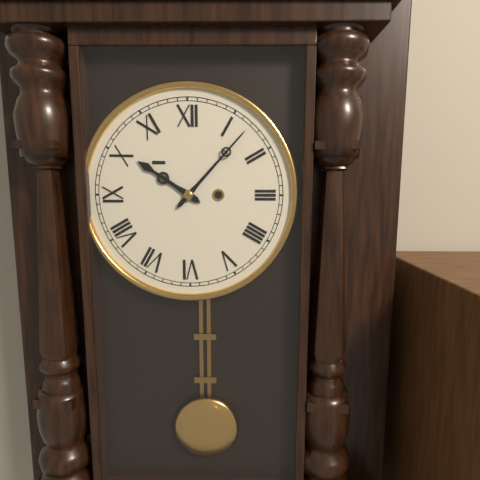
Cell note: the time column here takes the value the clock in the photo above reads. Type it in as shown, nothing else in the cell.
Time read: 10:07
